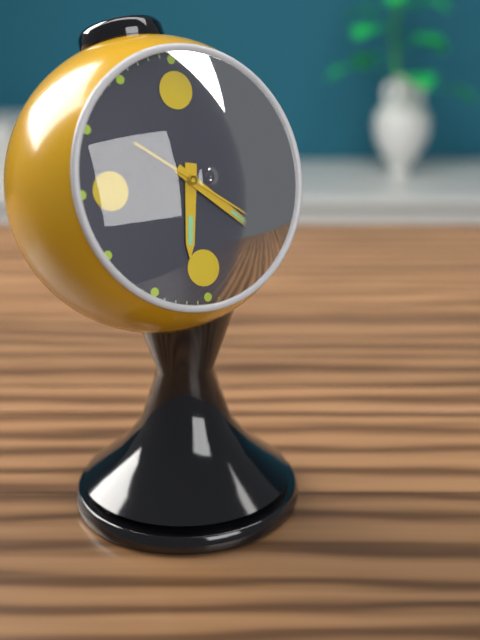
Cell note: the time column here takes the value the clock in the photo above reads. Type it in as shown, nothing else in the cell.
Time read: 6:22:21
